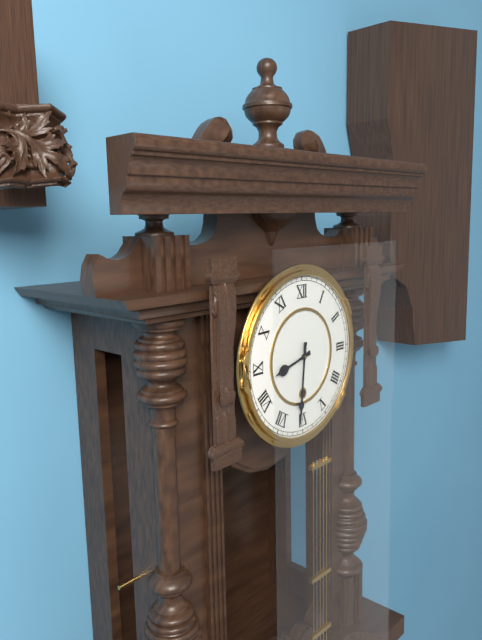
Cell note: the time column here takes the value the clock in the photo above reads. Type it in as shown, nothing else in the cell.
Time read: 8:31
